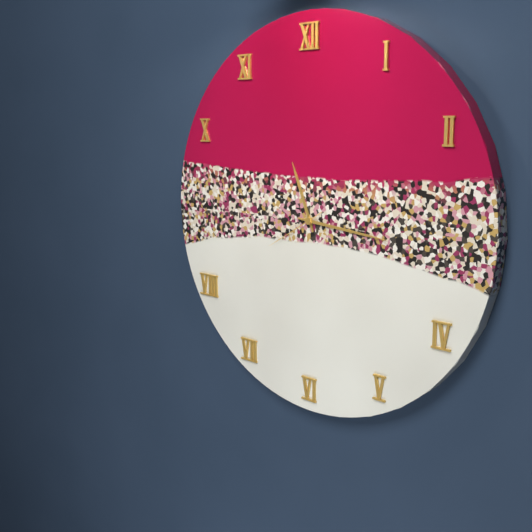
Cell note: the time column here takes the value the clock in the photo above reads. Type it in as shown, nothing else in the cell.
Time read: 11:16:40
